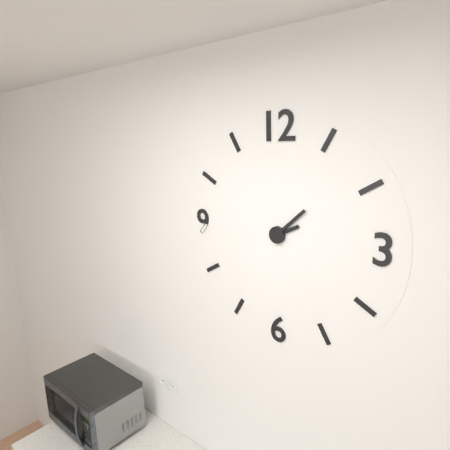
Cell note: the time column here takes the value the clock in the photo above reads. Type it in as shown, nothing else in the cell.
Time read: 2:08
